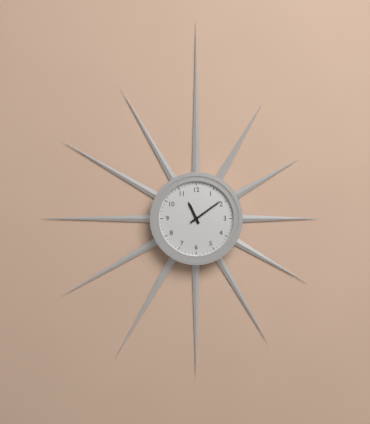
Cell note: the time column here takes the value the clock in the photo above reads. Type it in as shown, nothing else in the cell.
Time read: 11:09
